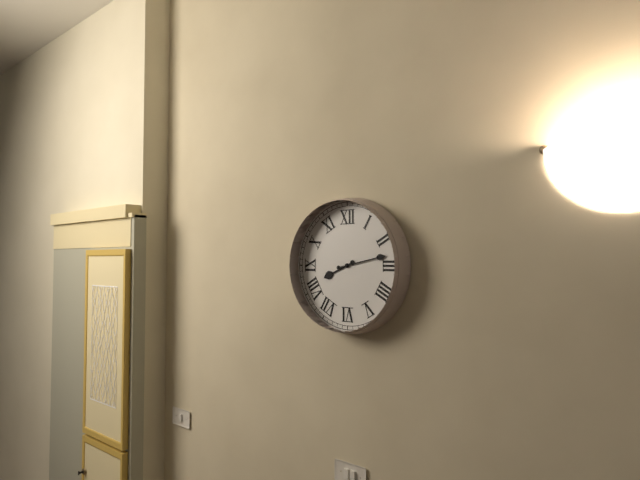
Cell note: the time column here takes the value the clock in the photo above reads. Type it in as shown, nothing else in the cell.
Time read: 8:13
